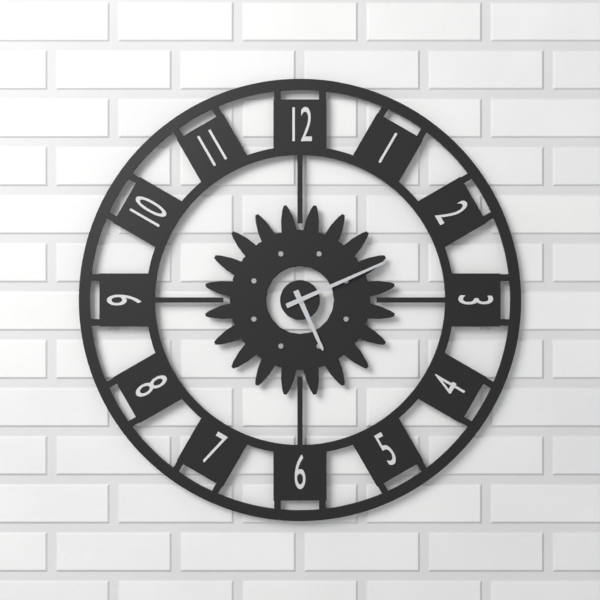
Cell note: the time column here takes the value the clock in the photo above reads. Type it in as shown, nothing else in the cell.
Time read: 5:11
